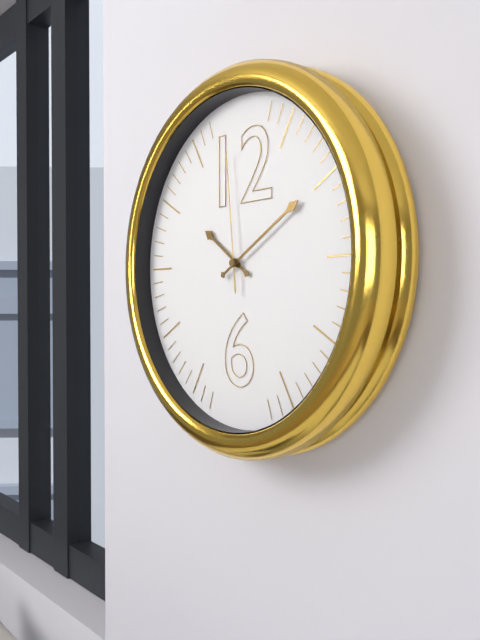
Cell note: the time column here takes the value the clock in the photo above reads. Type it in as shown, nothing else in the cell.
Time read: 10:10:59
